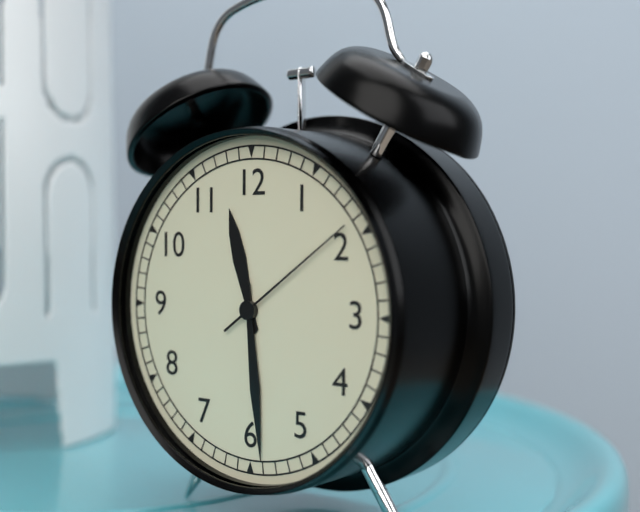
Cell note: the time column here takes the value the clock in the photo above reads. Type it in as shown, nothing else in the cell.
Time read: 11:29:09
